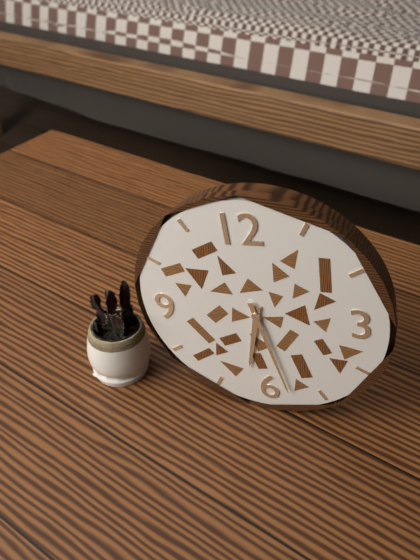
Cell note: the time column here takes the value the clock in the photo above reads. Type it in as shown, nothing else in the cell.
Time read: 6:28
